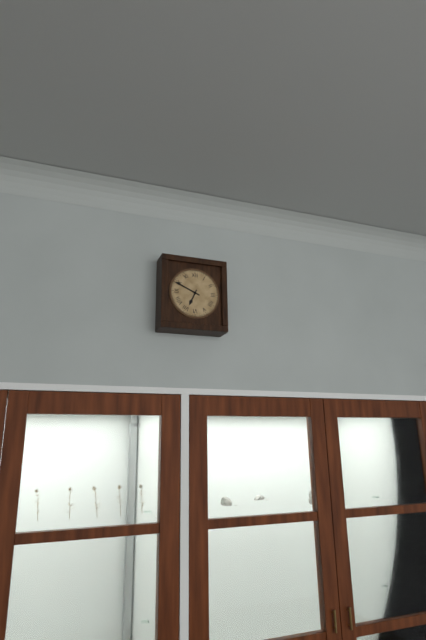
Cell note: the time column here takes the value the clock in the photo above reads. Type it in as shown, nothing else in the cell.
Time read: 6:49
